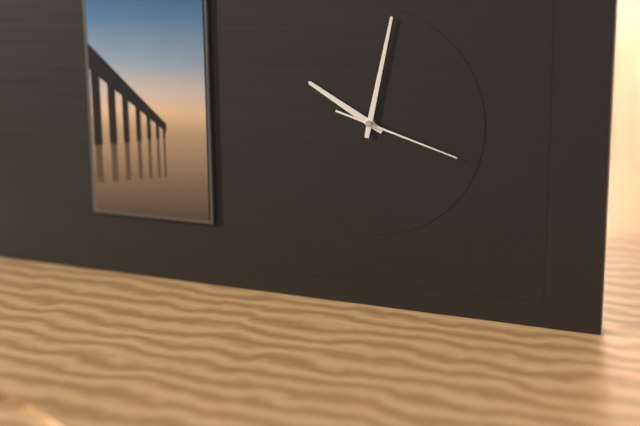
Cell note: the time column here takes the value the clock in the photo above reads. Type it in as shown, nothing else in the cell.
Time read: 10:02:18
